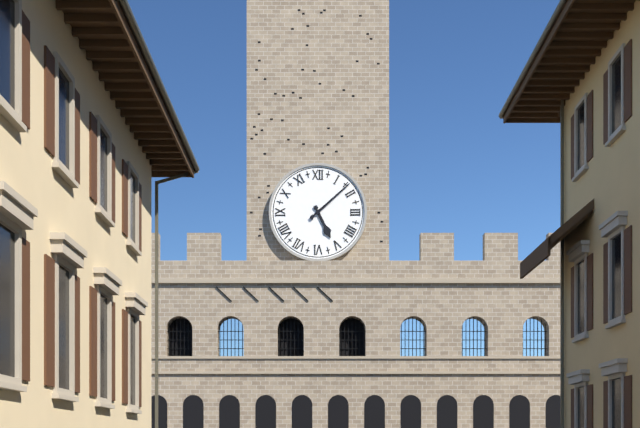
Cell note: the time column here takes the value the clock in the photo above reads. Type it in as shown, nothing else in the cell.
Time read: 5:08
